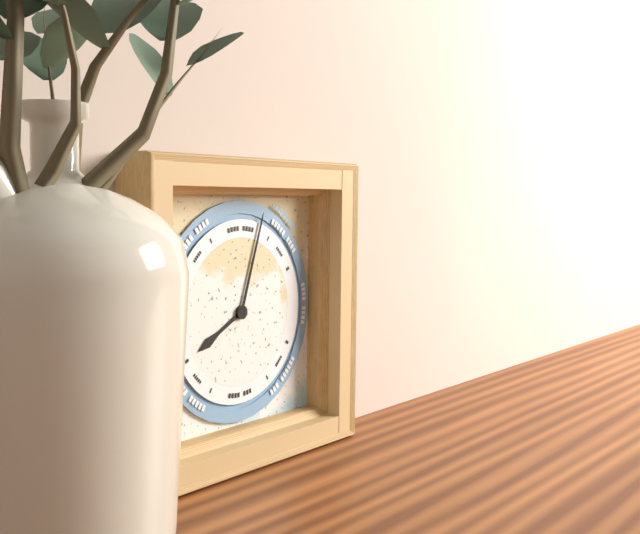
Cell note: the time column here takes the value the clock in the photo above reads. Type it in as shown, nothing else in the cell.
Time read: 8:03
